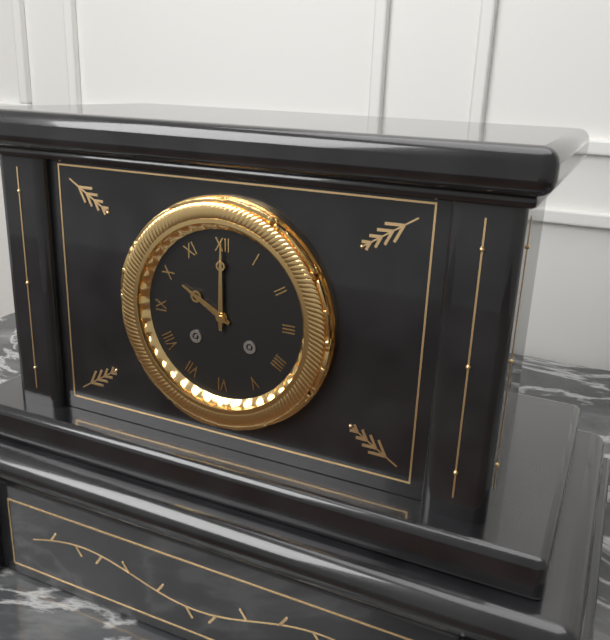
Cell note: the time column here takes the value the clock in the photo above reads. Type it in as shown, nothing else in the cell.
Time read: 10:00
